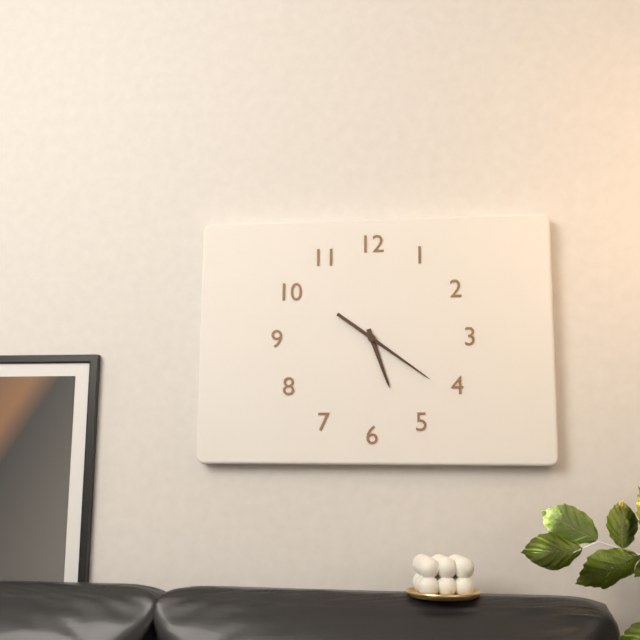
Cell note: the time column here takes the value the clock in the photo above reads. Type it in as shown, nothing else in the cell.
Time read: 5:21
